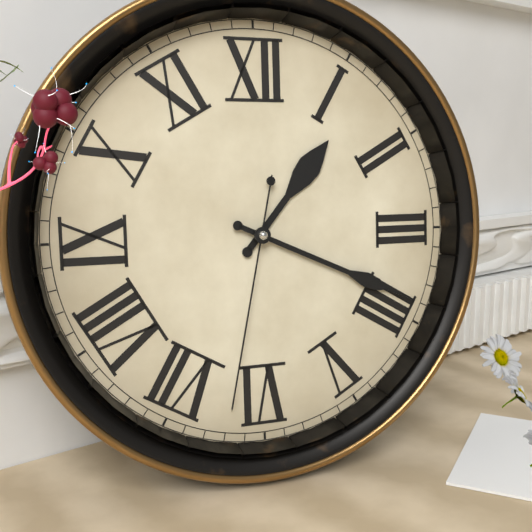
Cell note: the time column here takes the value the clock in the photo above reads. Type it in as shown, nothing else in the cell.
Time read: 1:19:32
